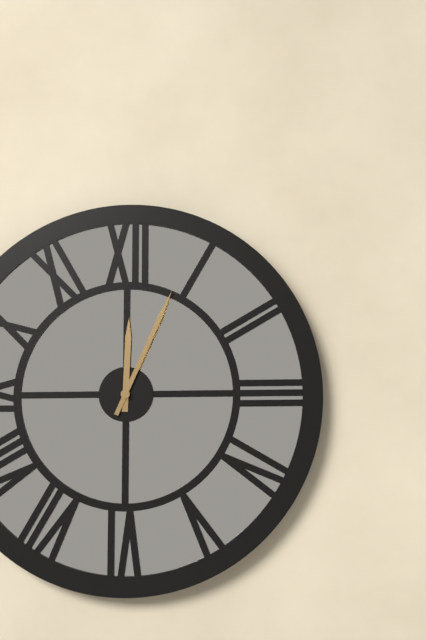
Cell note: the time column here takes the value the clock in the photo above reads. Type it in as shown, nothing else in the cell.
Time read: 12:04
